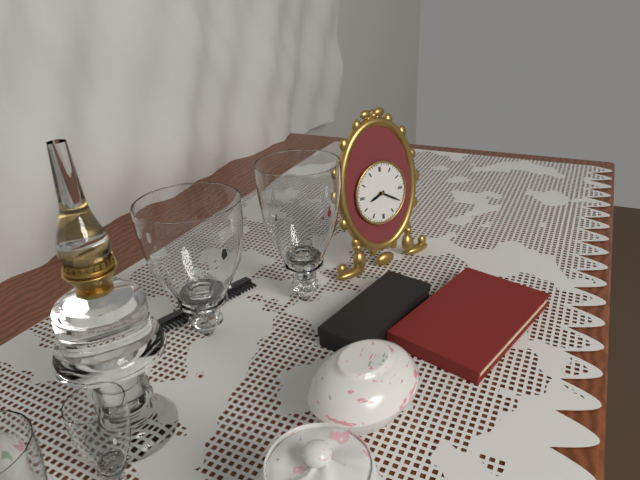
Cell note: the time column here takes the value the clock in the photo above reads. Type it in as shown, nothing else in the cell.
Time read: 8:20
